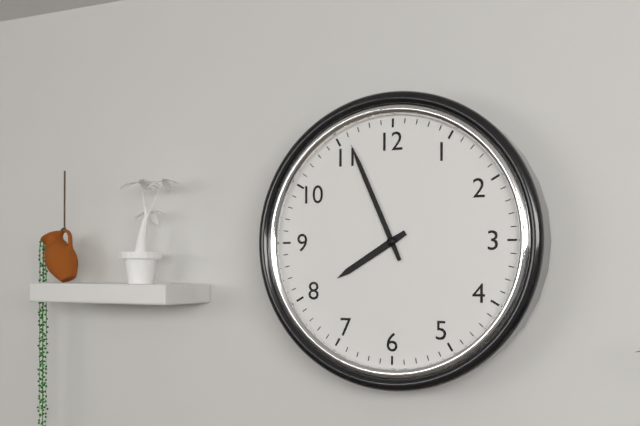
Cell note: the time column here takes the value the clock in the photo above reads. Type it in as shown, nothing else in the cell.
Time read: 7:56
